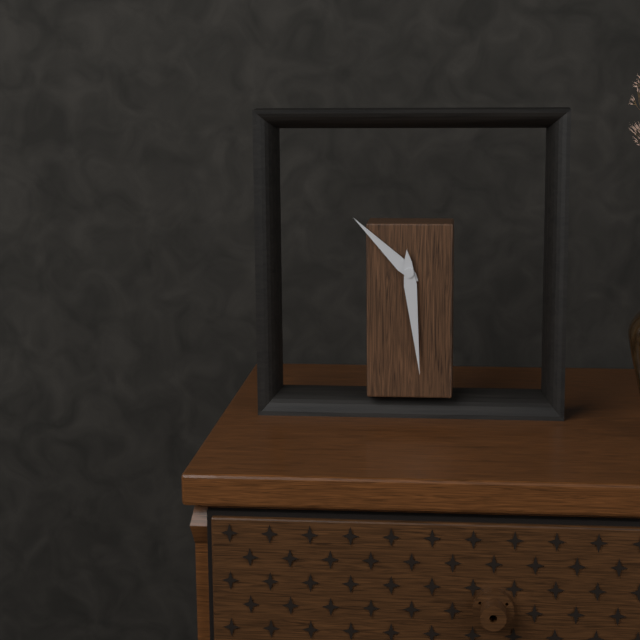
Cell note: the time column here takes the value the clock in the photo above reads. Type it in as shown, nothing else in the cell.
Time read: 10:29
